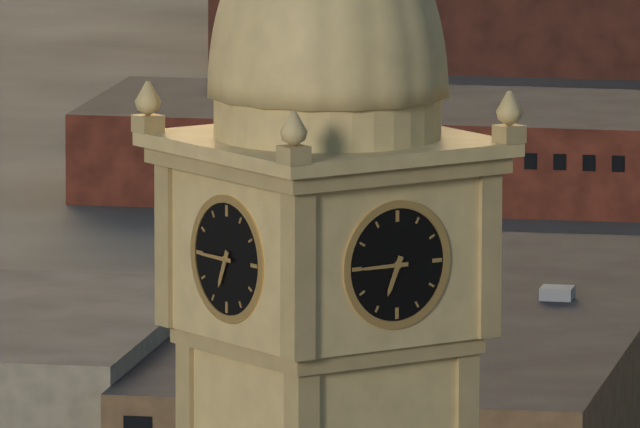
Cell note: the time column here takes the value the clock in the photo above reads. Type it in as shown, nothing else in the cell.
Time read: 6:45
